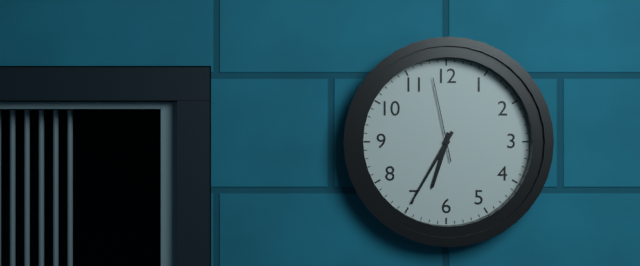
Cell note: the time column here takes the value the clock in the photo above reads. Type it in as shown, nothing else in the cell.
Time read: 6:35:58
